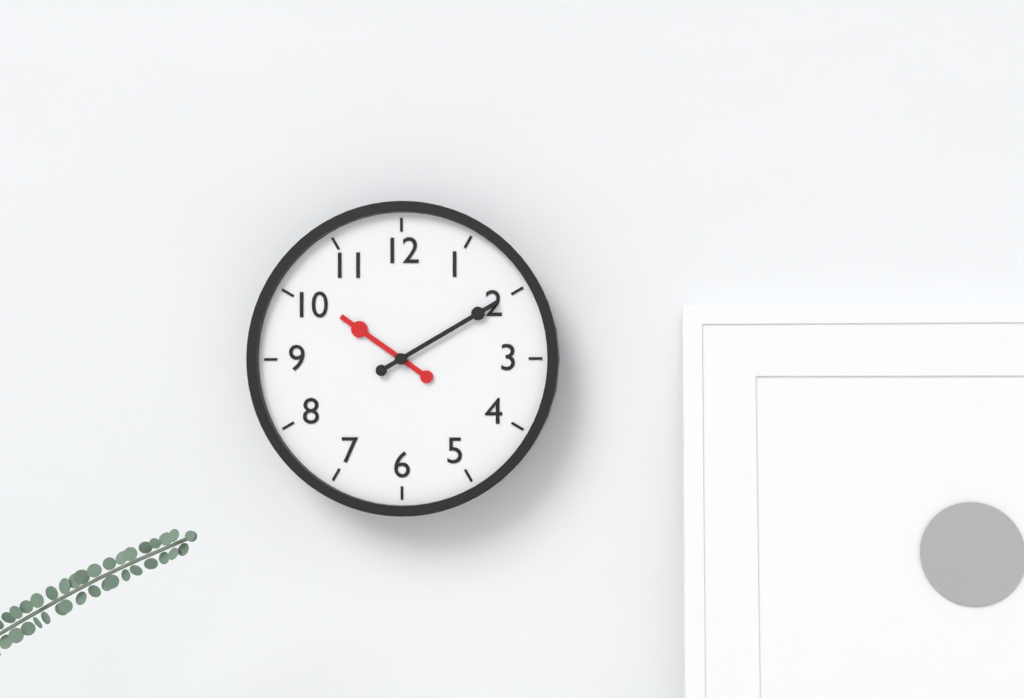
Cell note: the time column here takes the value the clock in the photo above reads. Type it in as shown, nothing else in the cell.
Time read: 10:10
